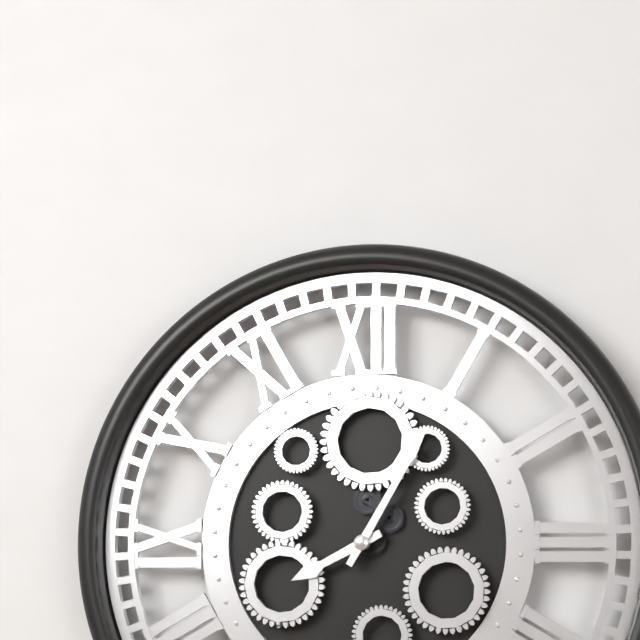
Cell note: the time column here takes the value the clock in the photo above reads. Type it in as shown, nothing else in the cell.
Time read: 8:05
